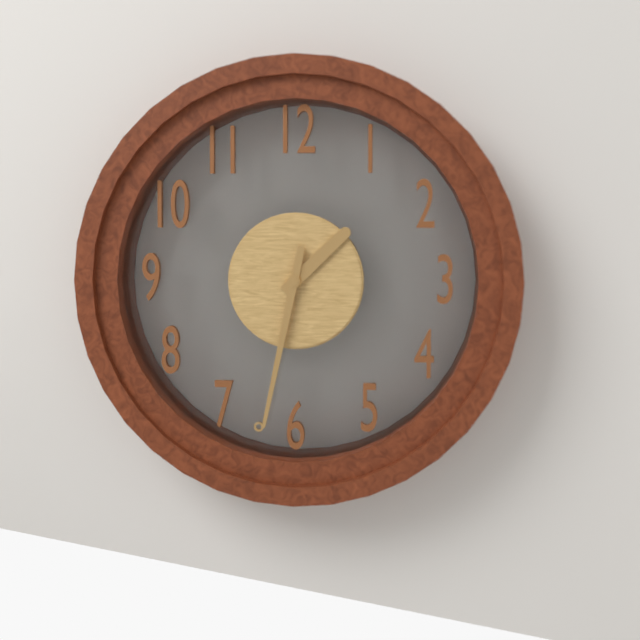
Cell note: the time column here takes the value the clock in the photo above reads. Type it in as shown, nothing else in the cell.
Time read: 1:32
